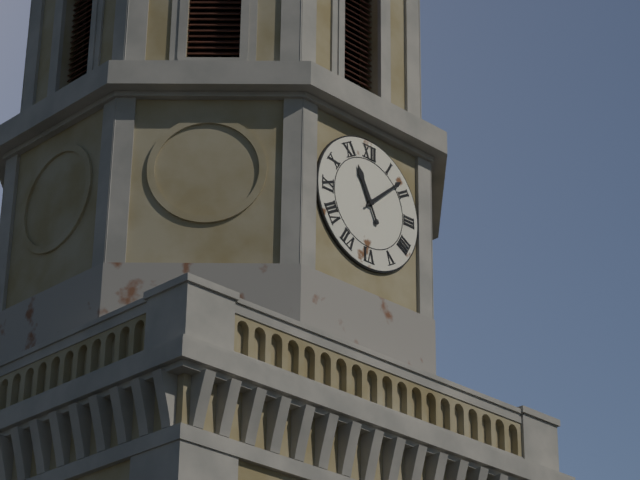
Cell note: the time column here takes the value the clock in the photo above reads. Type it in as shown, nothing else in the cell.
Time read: 11:08
